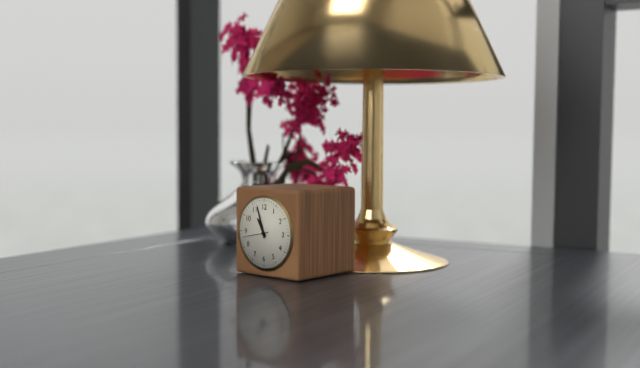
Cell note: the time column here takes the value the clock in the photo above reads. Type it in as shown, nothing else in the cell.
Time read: 10:57
